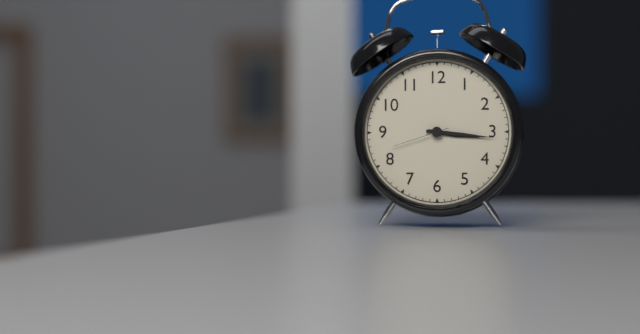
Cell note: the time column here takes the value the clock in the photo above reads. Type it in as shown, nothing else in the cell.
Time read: 3:16:42
